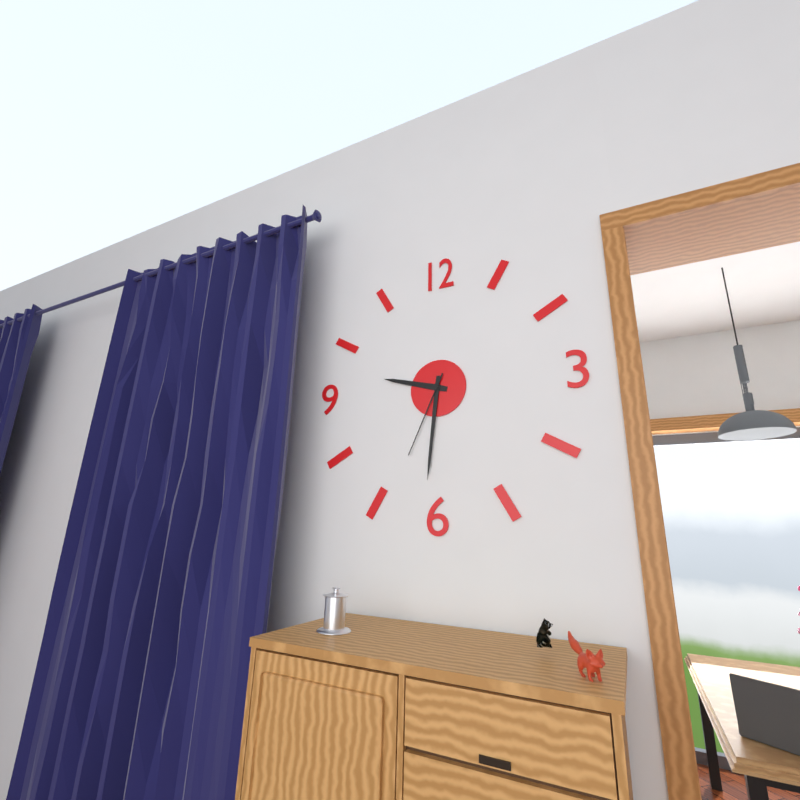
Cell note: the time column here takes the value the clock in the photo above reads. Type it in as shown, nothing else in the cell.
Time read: 9:31:34
